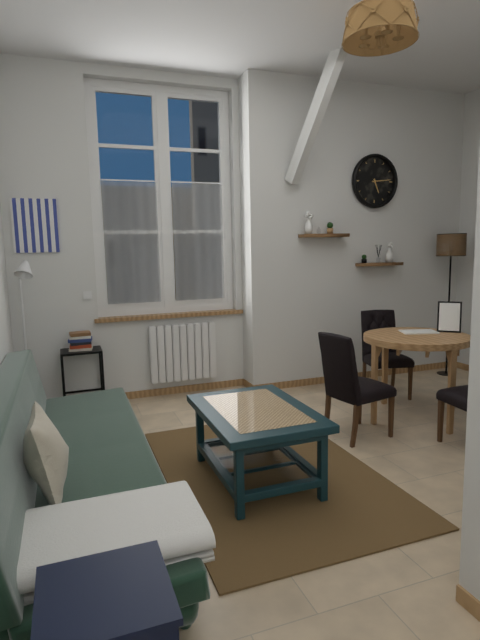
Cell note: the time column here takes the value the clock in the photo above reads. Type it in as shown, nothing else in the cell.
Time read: 5:14
